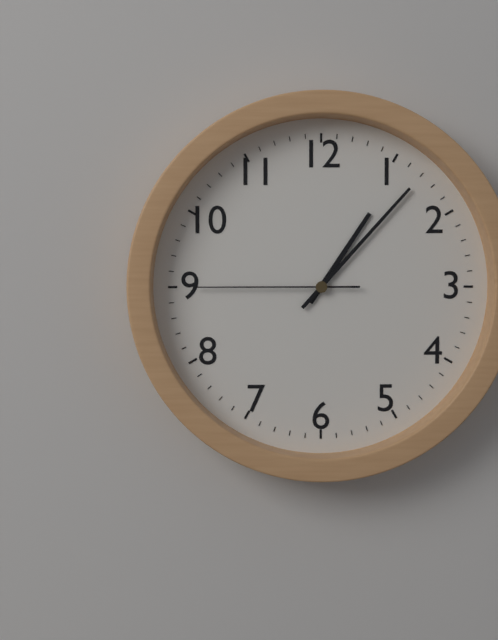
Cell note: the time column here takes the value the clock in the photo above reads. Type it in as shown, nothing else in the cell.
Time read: 1:07:45
